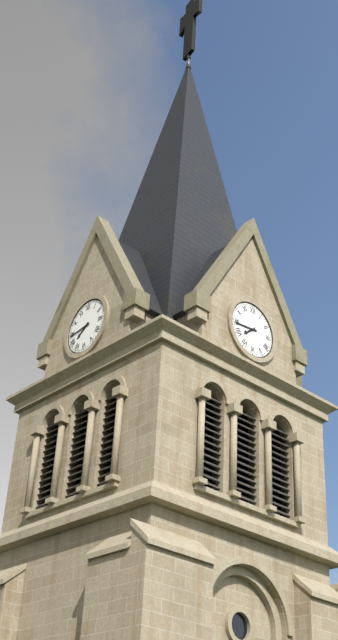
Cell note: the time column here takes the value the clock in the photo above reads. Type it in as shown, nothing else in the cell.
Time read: 7:44
